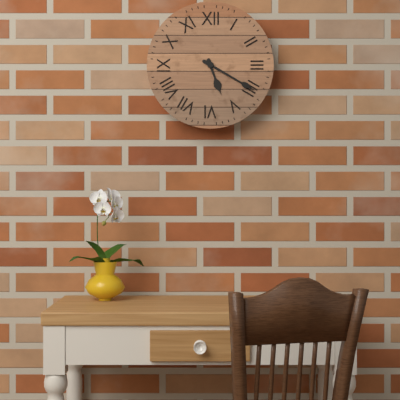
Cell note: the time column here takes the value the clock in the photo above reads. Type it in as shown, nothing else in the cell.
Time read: 5:20
